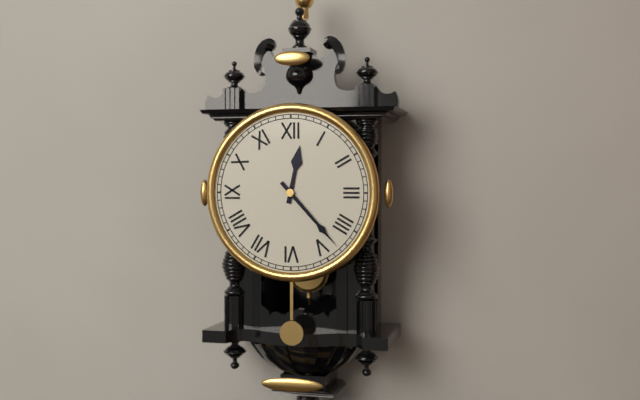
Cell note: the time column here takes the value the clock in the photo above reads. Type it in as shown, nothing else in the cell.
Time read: 12:23
